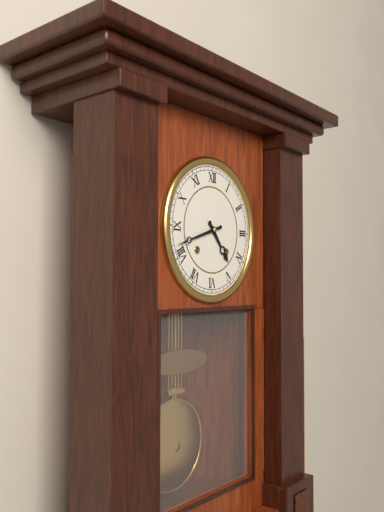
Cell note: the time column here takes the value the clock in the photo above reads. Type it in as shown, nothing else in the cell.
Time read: 4:42
